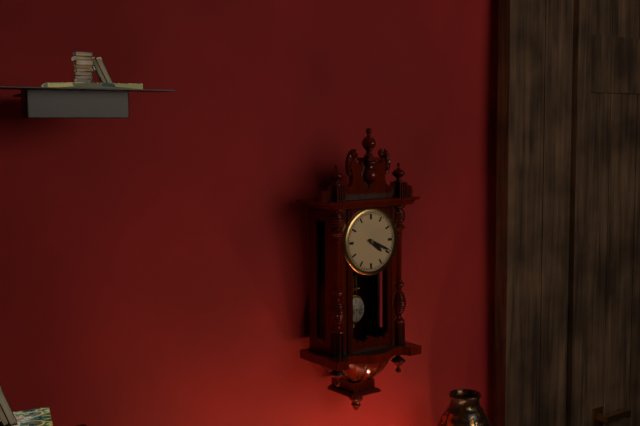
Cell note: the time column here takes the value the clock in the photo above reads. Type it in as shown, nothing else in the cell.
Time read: 4:19
